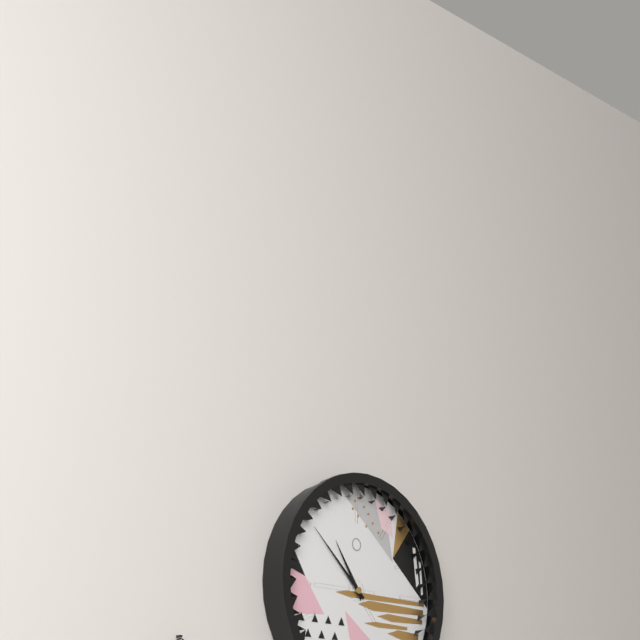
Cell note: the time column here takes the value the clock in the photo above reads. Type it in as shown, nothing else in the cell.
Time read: 10:52
